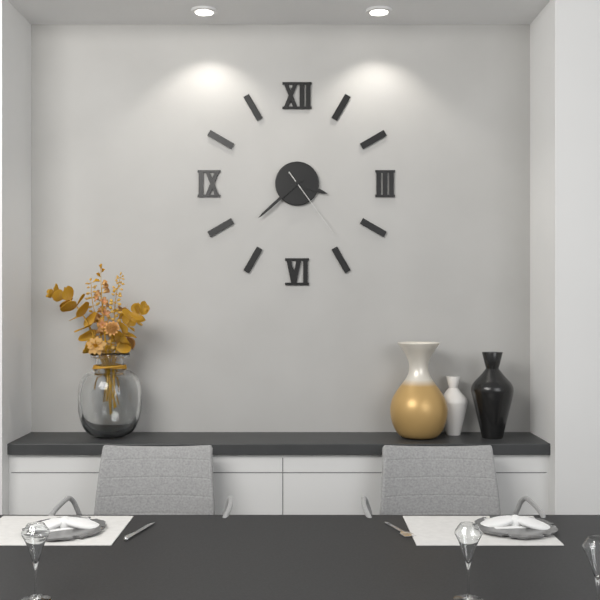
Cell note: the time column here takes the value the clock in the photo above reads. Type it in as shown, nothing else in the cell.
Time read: 3:38:24
